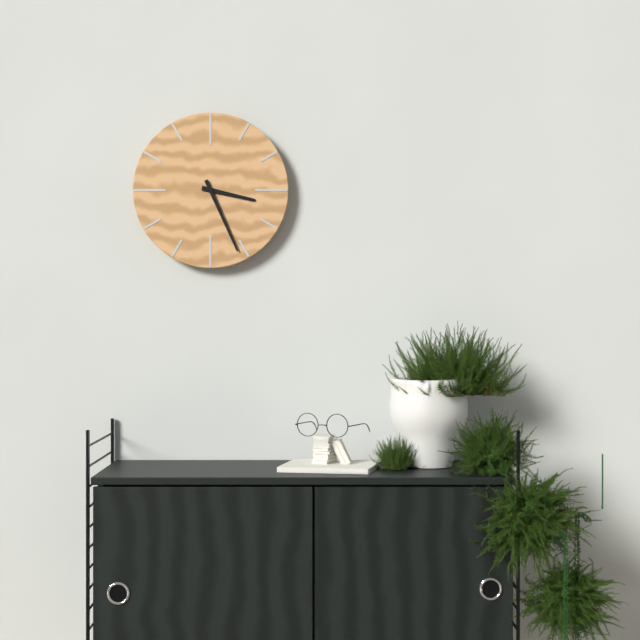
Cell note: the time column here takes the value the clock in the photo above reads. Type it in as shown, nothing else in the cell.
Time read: 3:26
